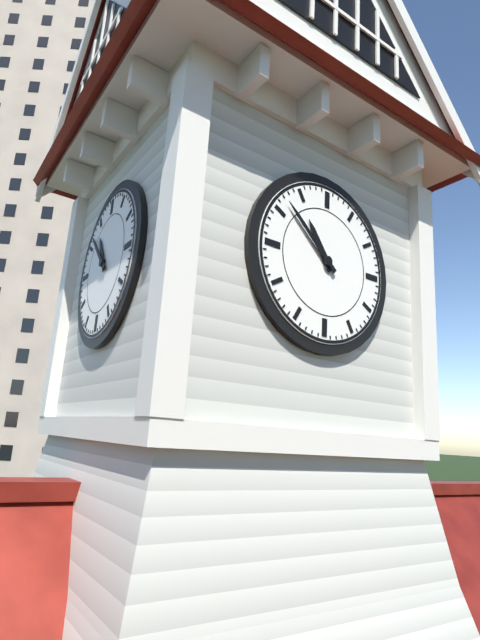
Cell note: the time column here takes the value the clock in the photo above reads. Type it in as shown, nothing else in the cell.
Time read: 10:52
